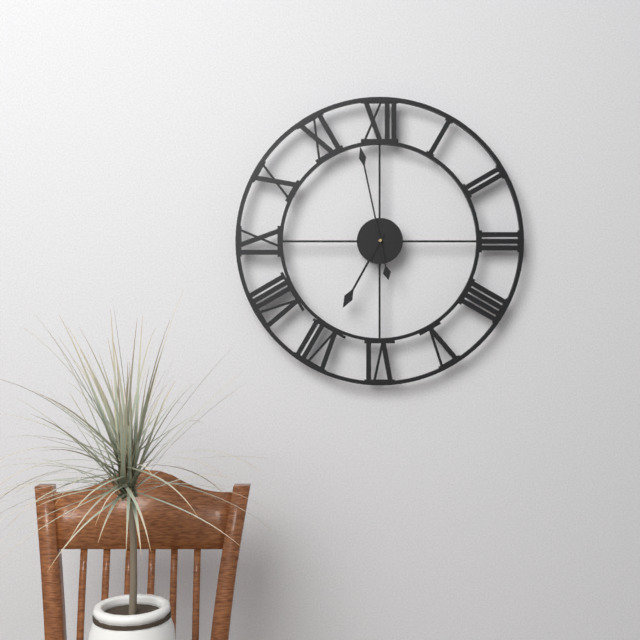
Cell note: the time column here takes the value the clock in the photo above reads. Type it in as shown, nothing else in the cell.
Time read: 6:58
